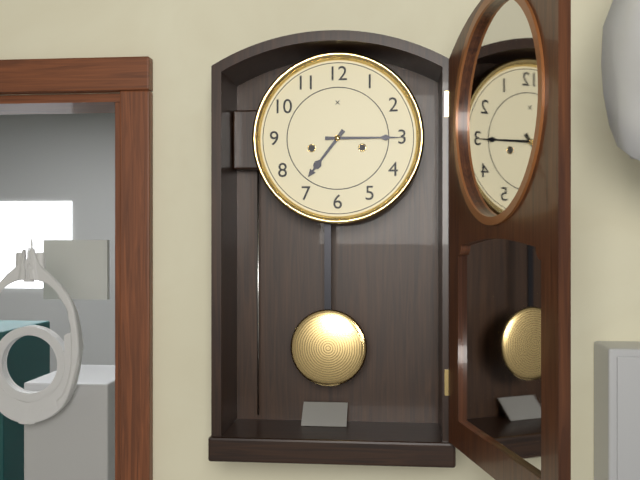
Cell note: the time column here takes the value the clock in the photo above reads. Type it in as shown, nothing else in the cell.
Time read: 7:15
